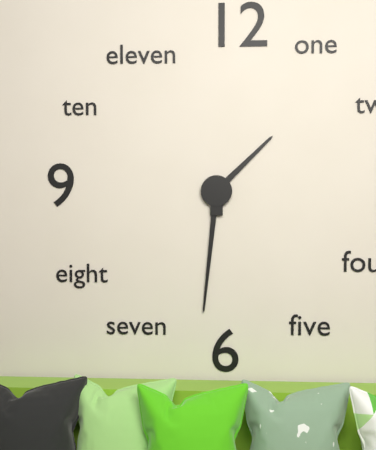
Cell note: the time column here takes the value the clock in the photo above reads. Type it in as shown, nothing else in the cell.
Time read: 1:31
